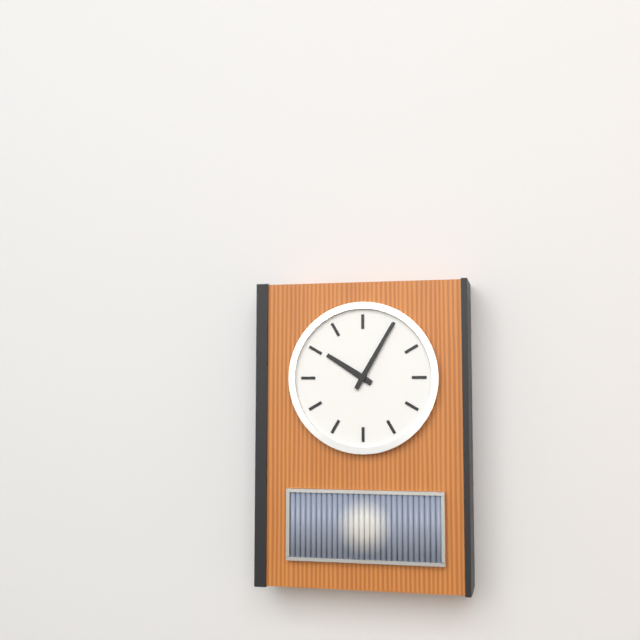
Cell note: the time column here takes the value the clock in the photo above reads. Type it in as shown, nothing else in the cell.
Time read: 10:05
